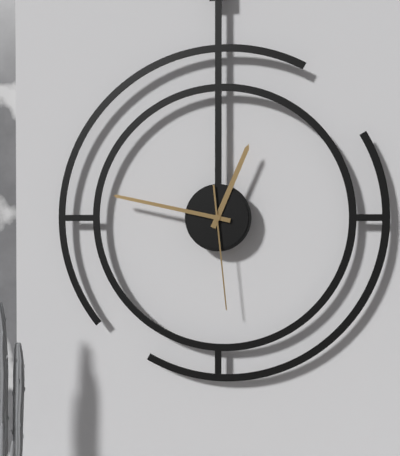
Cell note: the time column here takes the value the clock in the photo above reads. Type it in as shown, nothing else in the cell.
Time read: 12:47:29
